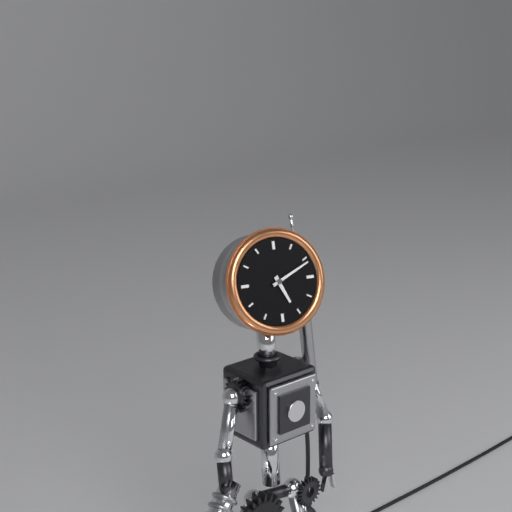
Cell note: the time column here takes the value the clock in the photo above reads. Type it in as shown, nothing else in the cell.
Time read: 5:11
